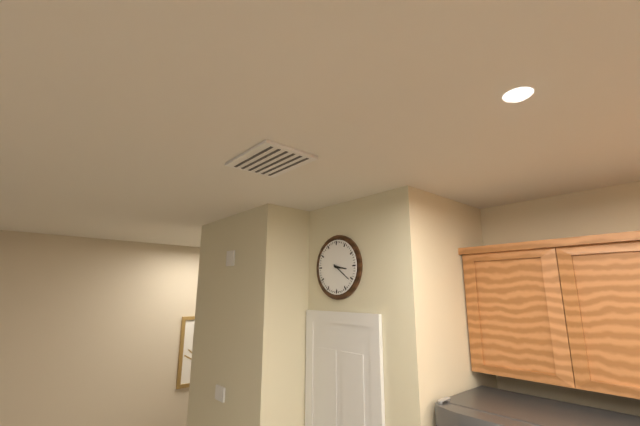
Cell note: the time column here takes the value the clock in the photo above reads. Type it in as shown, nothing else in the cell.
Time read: 3:21
